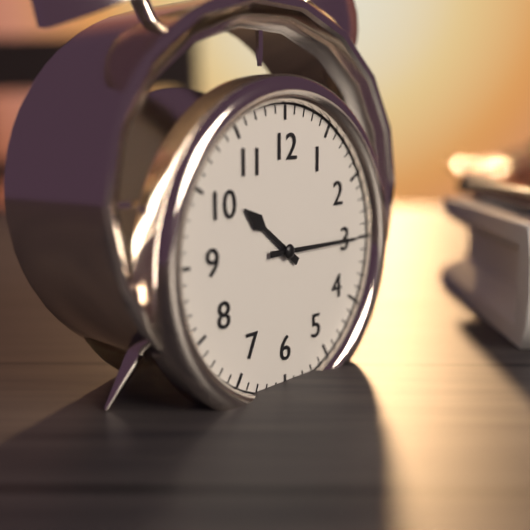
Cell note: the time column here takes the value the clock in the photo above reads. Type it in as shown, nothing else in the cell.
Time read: 10:15
